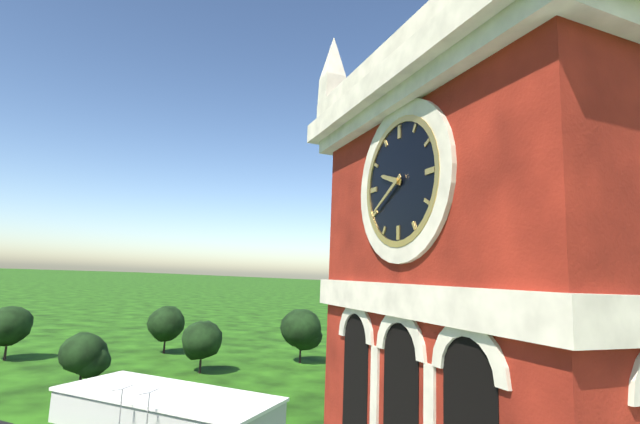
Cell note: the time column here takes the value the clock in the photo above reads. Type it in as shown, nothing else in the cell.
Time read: 9:40
